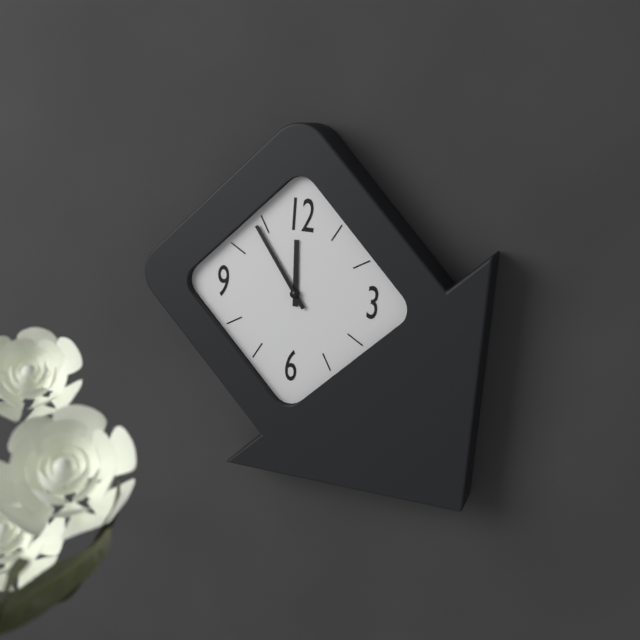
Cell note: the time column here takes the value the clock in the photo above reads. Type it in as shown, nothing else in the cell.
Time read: 11:54
